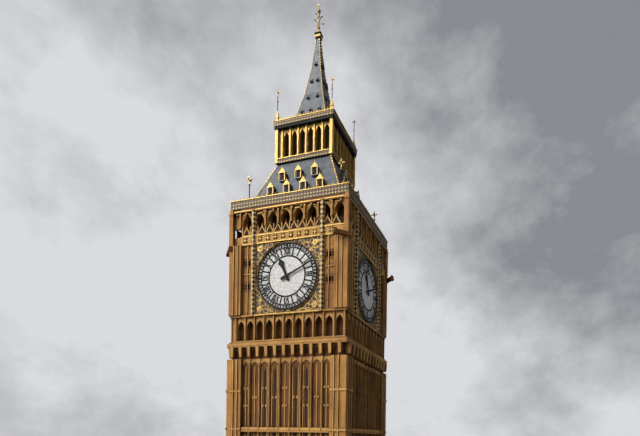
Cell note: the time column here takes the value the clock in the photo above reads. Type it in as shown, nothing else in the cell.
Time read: 11:11
